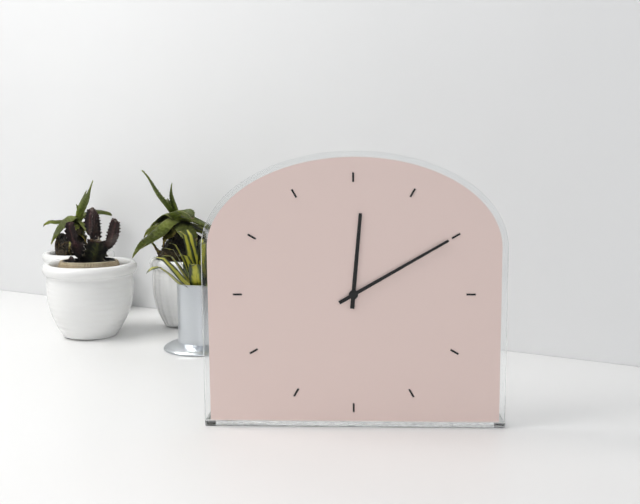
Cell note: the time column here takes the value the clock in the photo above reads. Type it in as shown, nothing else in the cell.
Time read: 12:10
